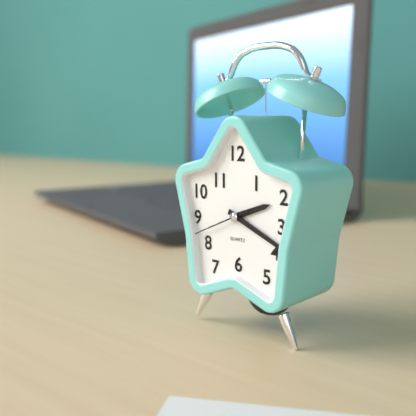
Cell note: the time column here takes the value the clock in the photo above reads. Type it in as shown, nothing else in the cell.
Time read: 2:19:41
